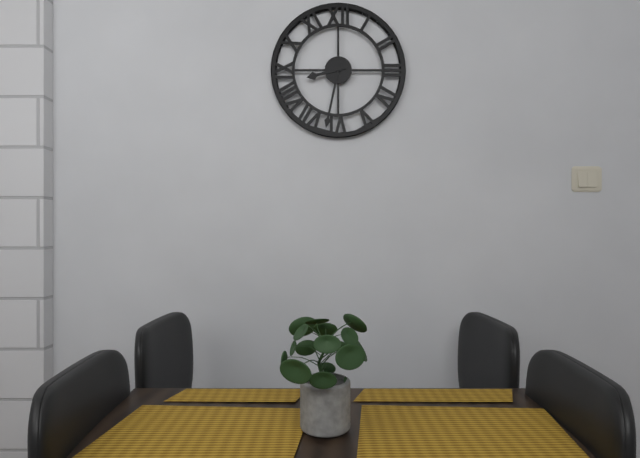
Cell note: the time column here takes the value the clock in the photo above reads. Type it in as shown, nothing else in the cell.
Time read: 8:32
